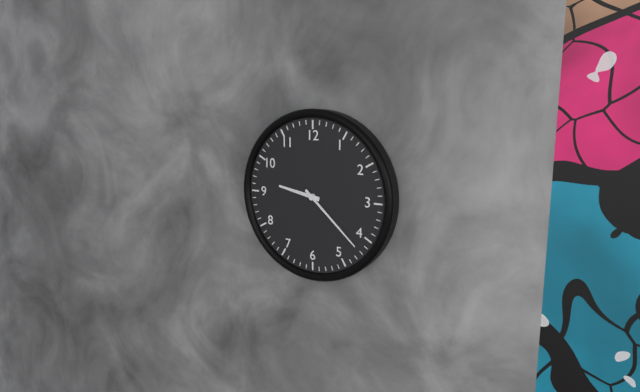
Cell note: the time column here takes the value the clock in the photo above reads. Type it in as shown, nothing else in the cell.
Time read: 9:22
